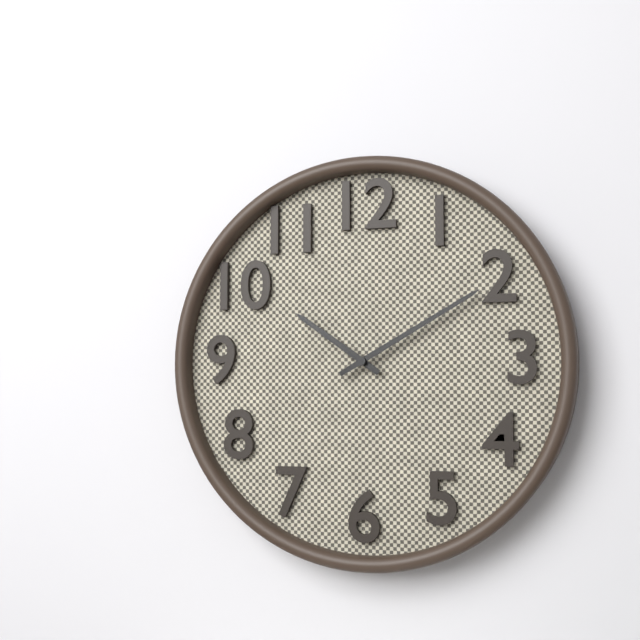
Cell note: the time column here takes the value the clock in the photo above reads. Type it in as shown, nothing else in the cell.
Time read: 10:10
